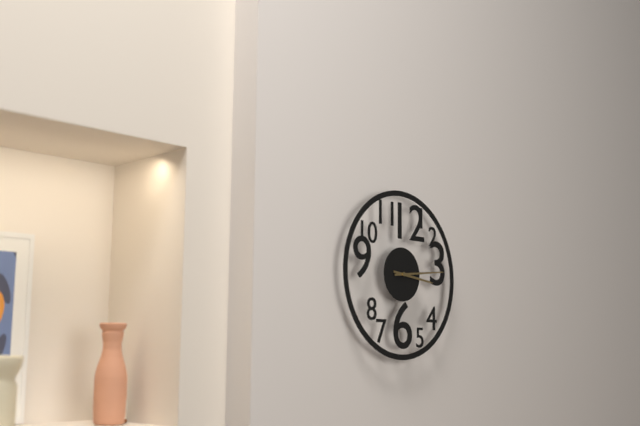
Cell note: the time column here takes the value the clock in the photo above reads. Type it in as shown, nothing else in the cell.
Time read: 3:14
